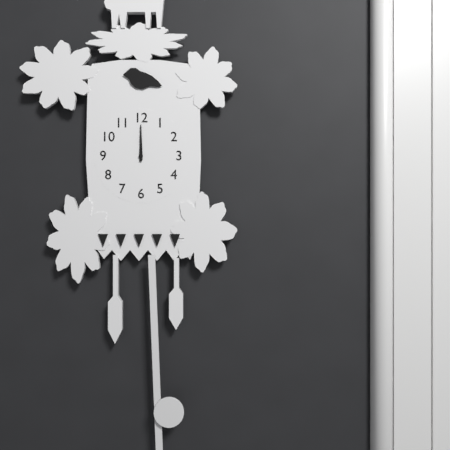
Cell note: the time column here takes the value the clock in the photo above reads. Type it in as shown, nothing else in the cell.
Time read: 12:00
